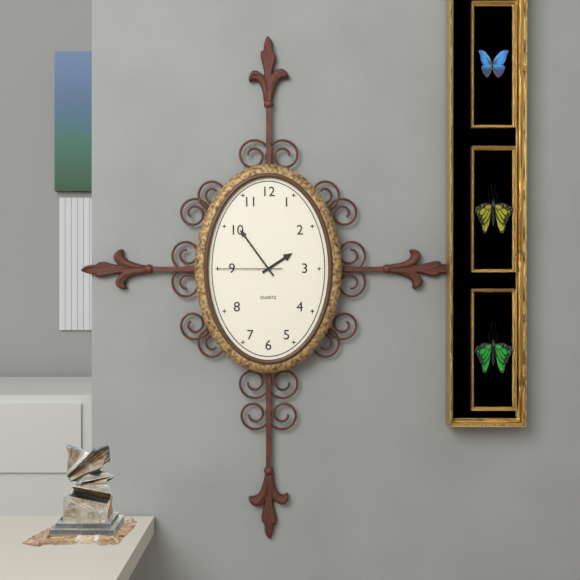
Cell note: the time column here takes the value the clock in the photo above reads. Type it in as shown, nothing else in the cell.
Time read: 1:54:45
